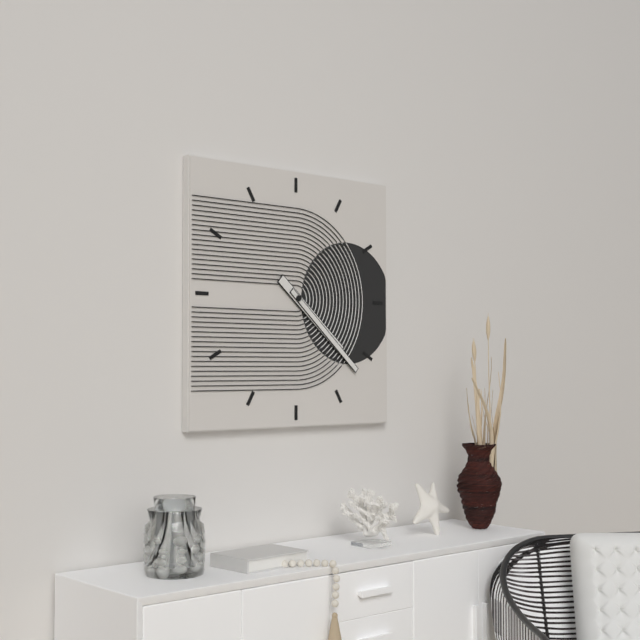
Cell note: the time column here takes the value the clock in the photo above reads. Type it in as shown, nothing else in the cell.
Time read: 4:22
